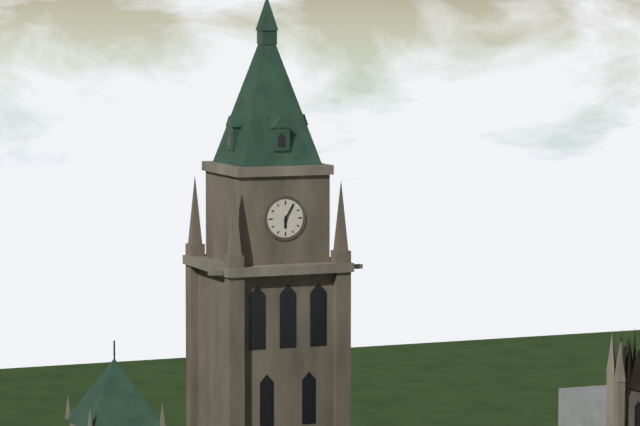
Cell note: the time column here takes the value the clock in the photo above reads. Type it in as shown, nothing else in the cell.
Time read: 6:05
